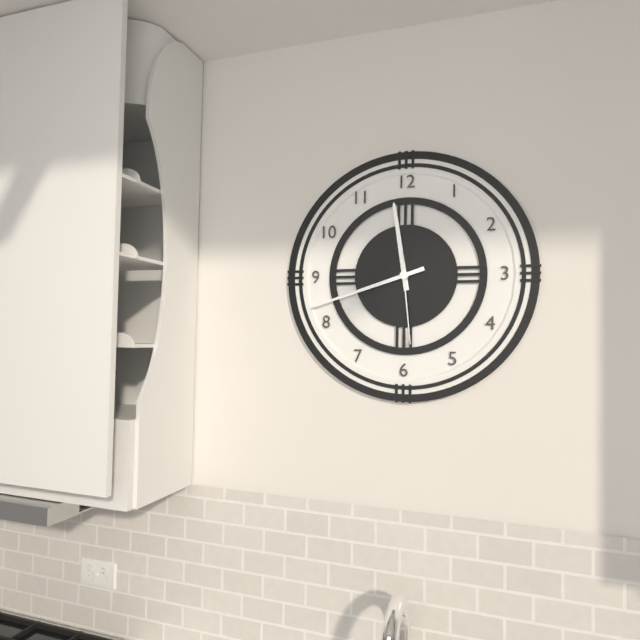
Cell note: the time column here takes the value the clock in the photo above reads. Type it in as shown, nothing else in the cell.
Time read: 11:42:29
